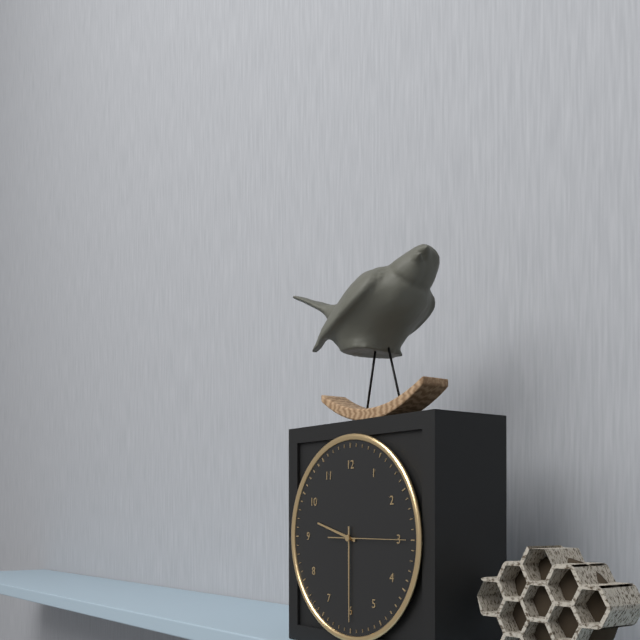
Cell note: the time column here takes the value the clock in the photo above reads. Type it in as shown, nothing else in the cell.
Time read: 9:30:15
